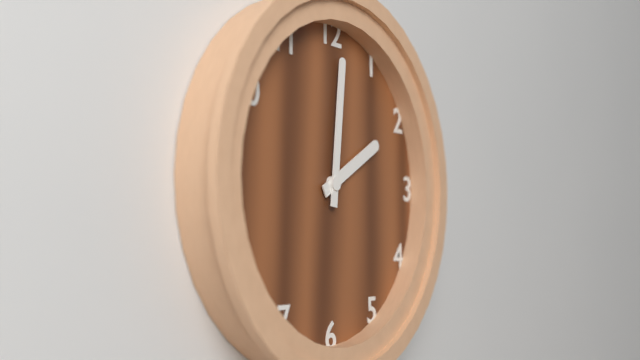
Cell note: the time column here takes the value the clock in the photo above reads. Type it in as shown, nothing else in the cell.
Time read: 2:01
